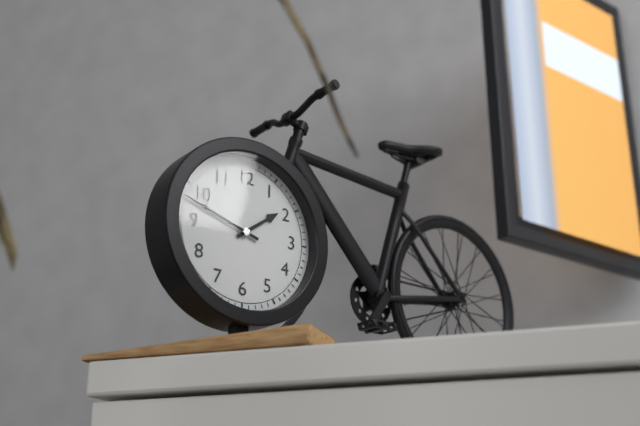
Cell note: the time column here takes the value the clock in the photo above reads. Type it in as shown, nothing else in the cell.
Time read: 1:48
